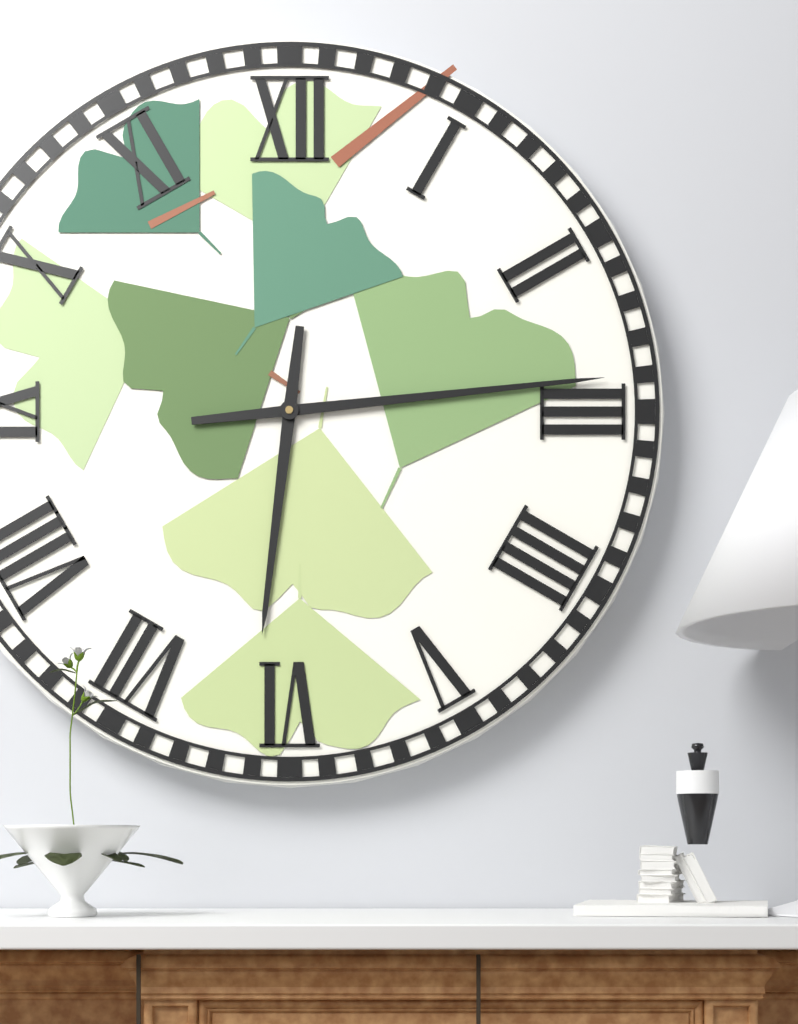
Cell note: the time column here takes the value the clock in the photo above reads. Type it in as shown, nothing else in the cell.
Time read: 6:14
